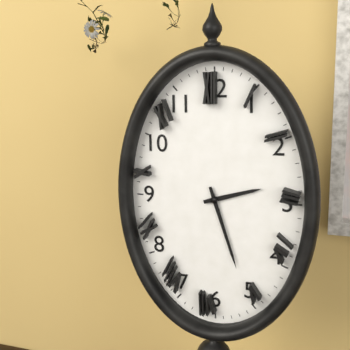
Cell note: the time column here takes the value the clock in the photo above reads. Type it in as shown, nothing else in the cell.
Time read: 2:27
